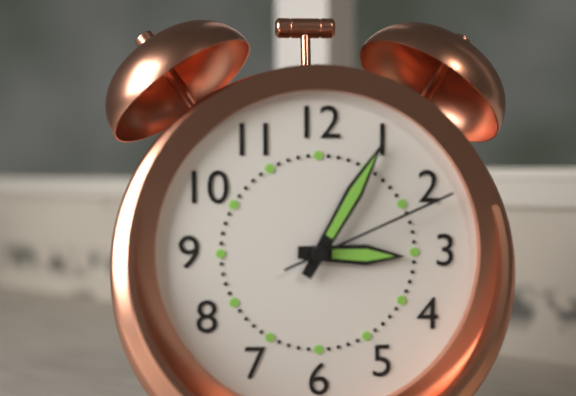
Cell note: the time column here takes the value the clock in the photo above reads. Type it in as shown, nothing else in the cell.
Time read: 3:05:11
